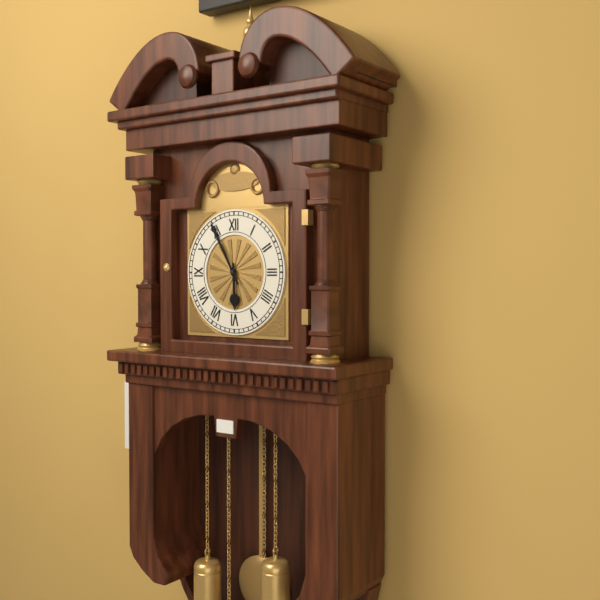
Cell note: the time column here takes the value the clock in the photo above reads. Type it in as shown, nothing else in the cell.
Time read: 5:55
